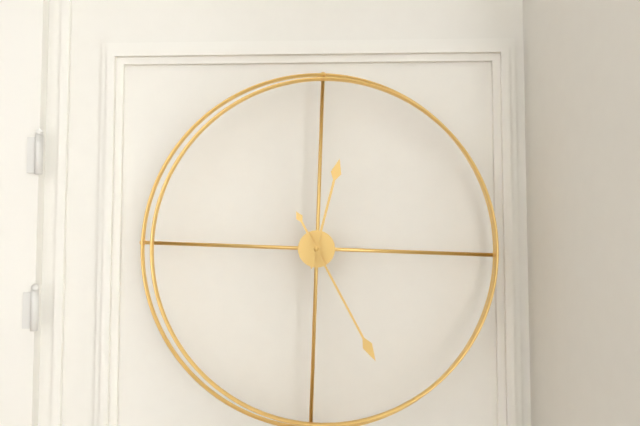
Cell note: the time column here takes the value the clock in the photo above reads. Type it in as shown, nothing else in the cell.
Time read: 12:25
